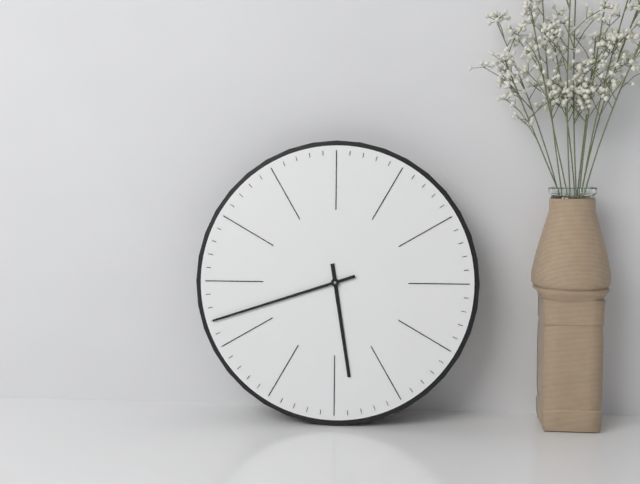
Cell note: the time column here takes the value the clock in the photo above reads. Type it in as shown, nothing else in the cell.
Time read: 5:42
